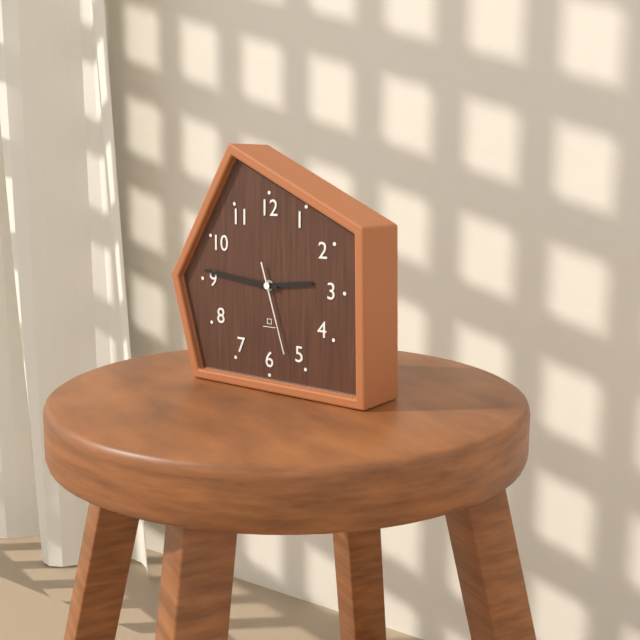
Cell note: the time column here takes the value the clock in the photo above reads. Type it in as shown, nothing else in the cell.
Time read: 2:46:27
